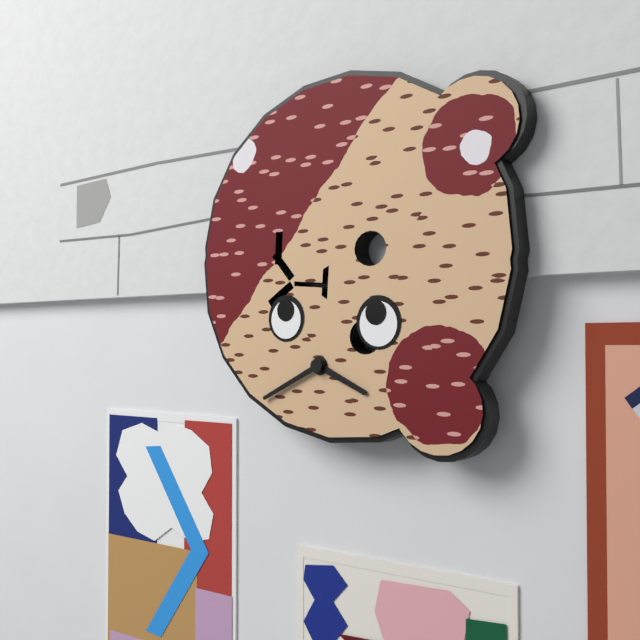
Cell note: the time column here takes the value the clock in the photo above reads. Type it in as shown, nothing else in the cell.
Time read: 3:40
